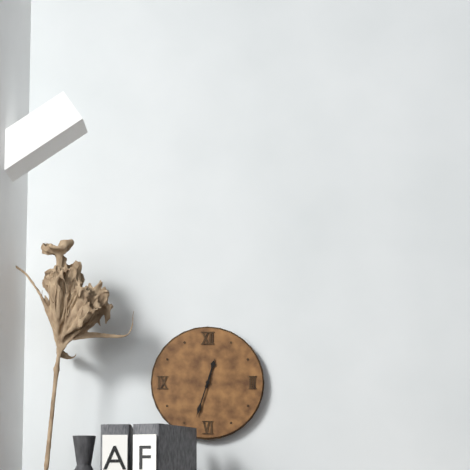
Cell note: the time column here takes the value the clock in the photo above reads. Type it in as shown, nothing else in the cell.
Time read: 12:33
